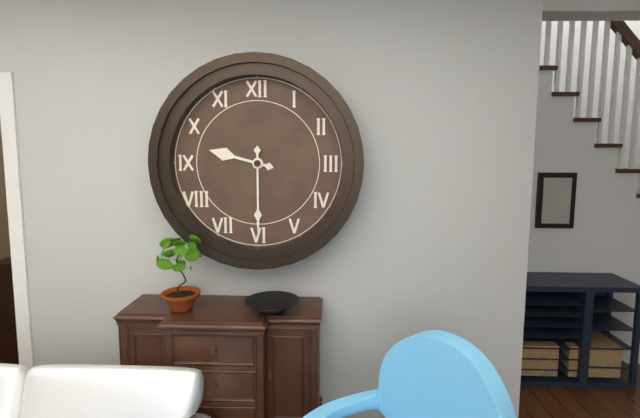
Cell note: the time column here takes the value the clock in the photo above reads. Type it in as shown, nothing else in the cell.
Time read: 9:30
